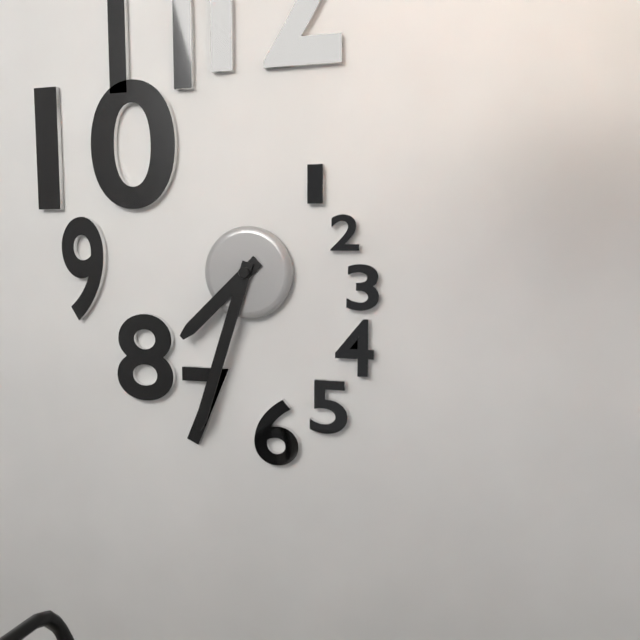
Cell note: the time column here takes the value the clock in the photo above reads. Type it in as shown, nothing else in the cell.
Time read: 7:33
